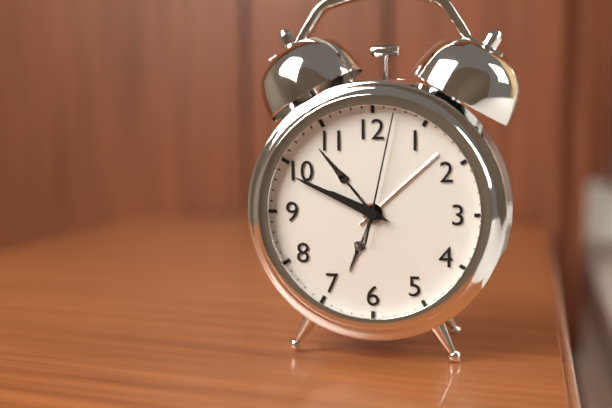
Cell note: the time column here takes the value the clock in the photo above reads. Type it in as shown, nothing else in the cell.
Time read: 9:49:02
